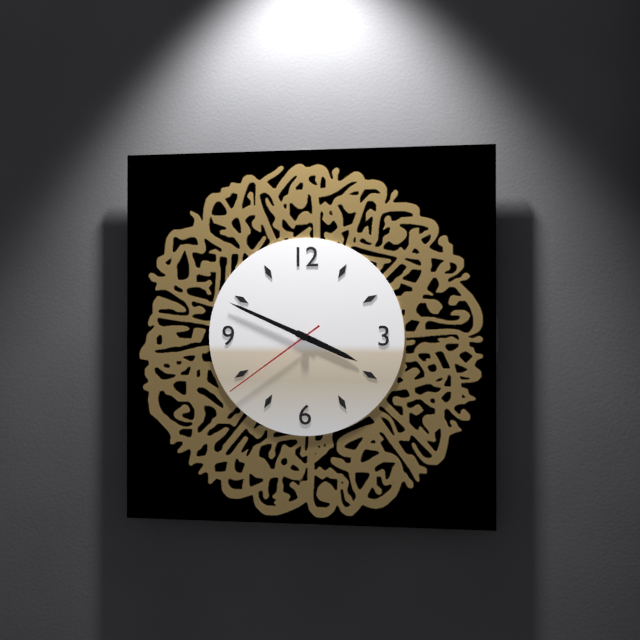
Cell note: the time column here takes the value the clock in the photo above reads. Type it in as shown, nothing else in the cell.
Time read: 3:49:39
